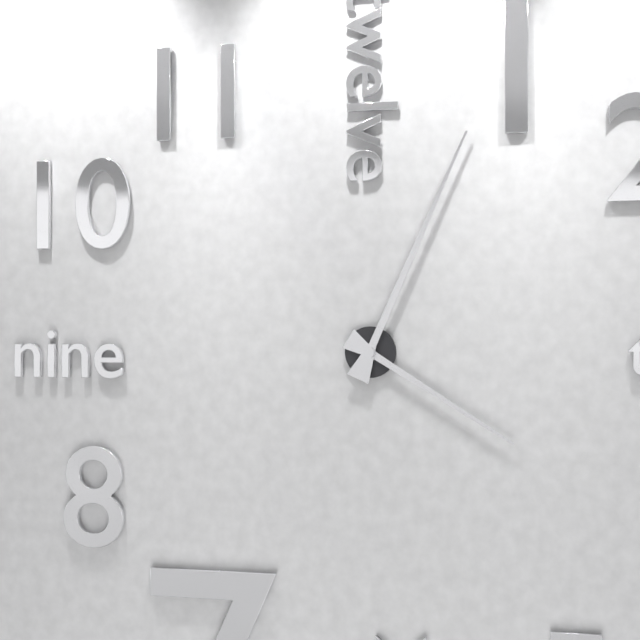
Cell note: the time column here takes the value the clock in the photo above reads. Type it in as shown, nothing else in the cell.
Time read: 4:04
